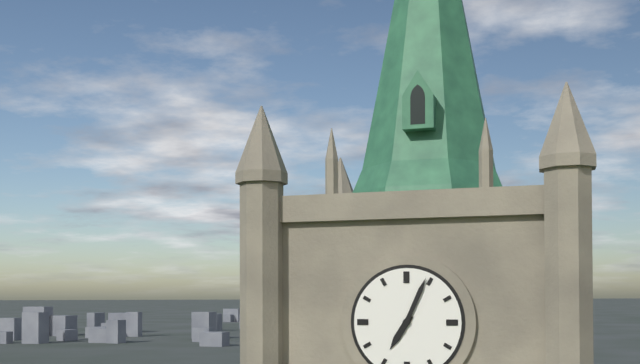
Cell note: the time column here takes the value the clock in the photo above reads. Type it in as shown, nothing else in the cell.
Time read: 7:04
